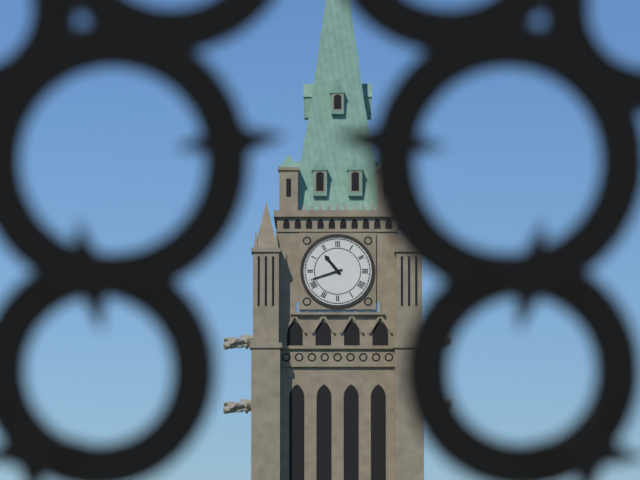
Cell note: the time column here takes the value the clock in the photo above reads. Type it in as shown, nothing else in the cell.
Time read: 10:42
